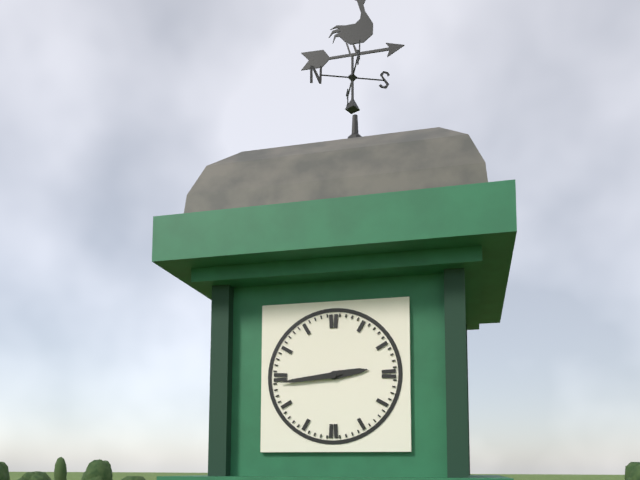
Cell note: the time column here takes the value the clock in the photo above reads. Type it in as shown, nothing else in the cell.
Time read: 2:44
